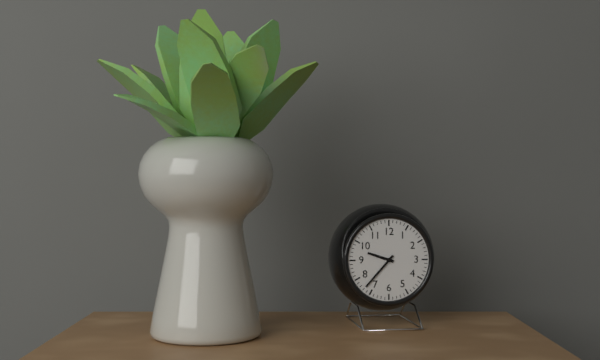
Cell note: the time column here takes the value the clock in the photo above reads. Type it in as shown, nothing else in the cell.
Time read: 9:37
